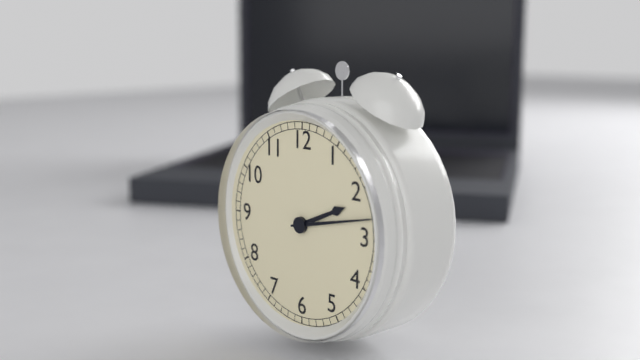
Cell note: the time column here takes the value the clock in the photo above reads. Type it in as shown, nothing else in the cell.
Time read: 2:13
